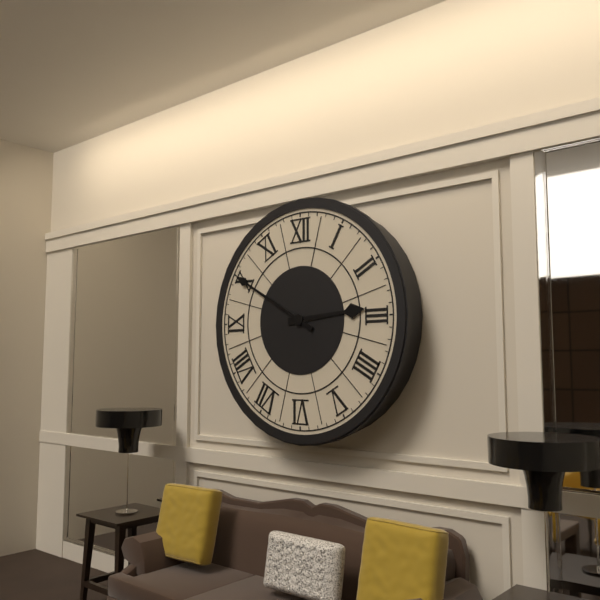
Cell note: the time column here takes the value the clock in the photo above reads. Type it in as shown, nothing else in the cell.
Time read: 2:50
